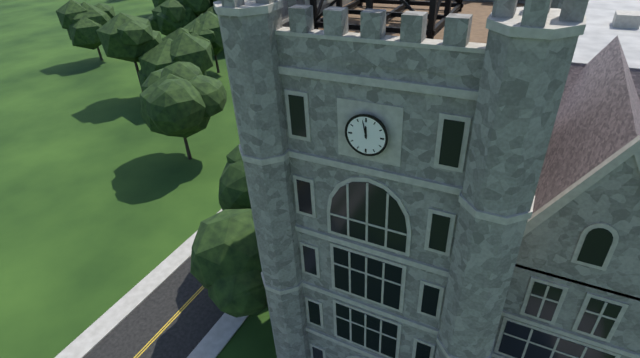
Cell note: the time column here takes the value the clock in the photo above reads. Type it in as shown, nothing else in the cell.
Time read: 11:58
